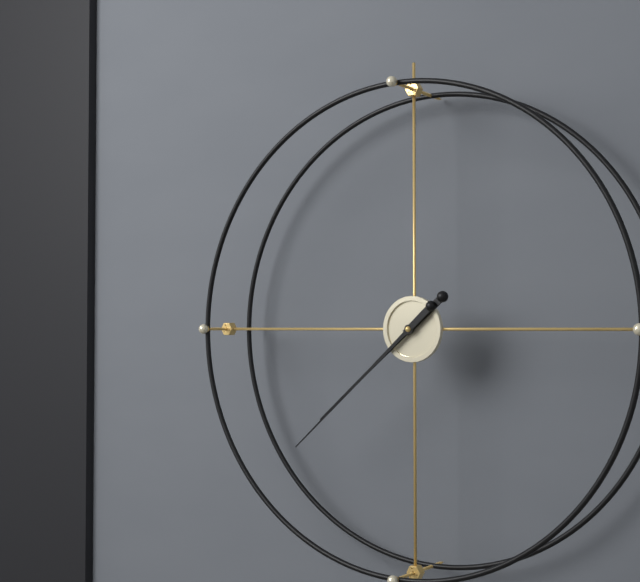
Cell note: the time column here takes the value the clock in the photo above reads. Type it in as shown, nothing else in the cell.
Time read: 7:38
